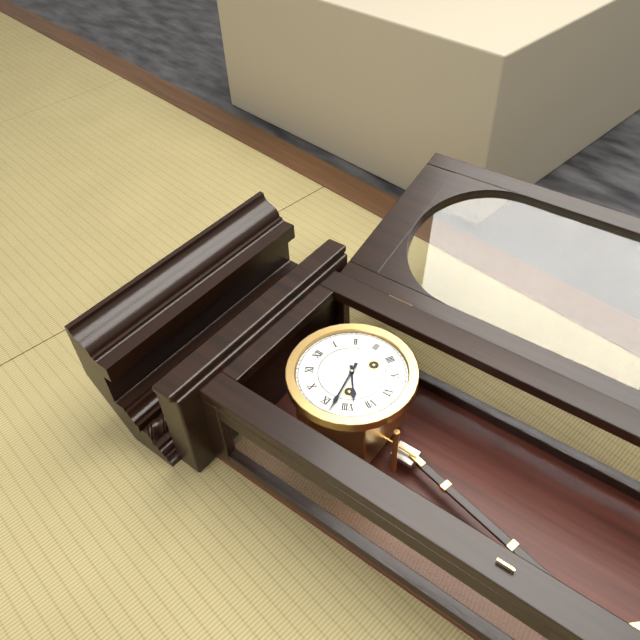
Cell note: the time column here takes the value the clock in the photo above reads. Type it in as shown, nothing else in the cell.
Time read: 7:43
